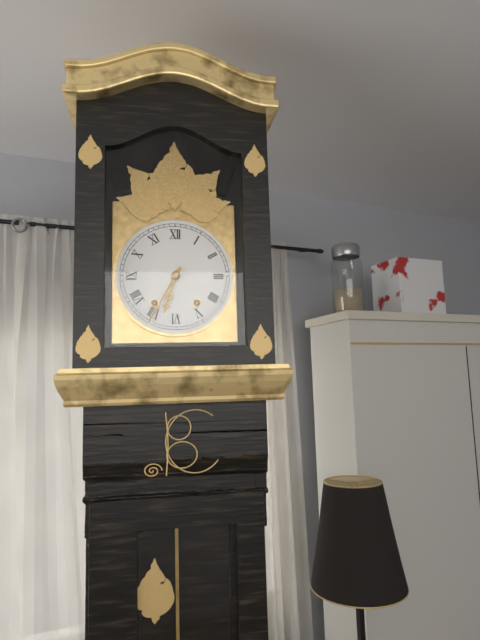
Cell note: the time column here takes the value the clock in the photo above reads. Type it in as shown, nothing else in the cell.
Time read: 6:35
